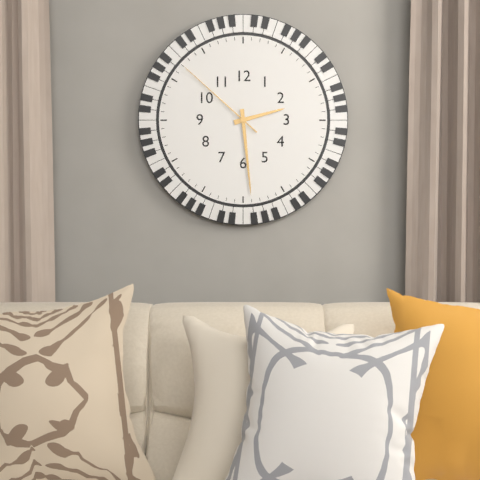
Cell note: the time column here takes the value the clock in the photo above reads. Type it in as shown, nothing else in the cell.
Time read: 2:29:52
